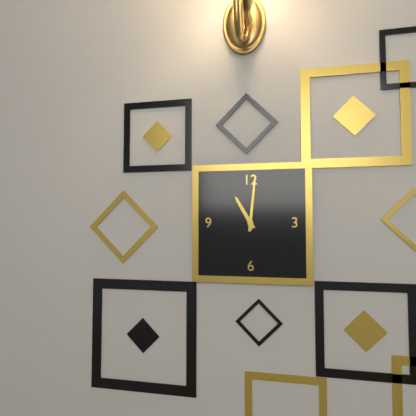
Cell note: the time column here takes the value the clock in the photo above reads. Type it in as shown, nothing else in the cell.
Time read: 11:01
